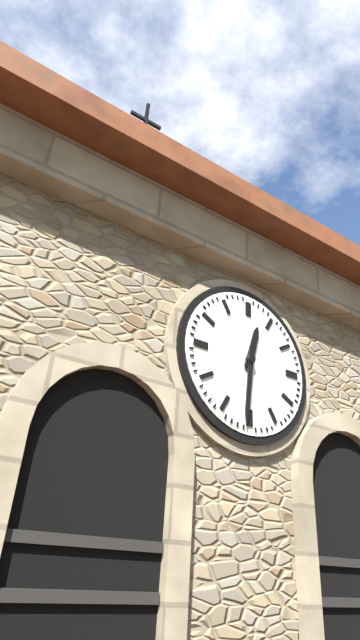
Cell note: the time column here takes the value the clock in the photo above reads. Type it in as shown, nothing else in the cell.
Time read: 12:31
